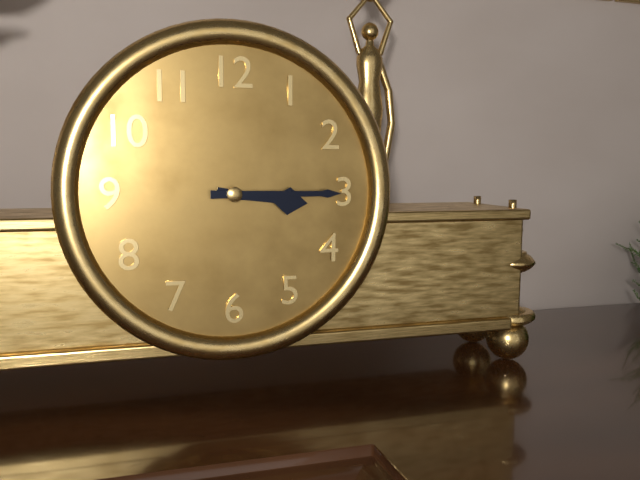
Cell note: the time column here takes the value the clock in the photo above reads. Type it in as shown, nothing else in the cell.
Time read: 3:15
